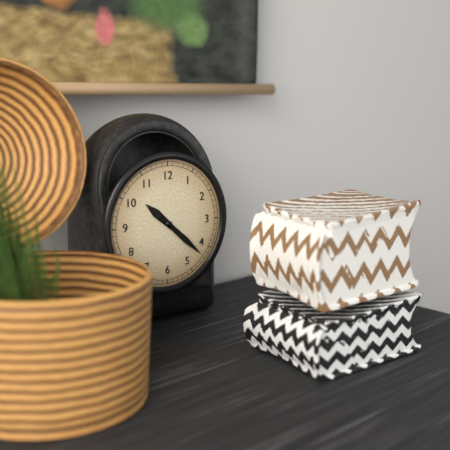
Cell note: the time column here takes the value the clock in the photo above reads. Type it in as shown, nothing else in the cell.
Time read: 10:22
